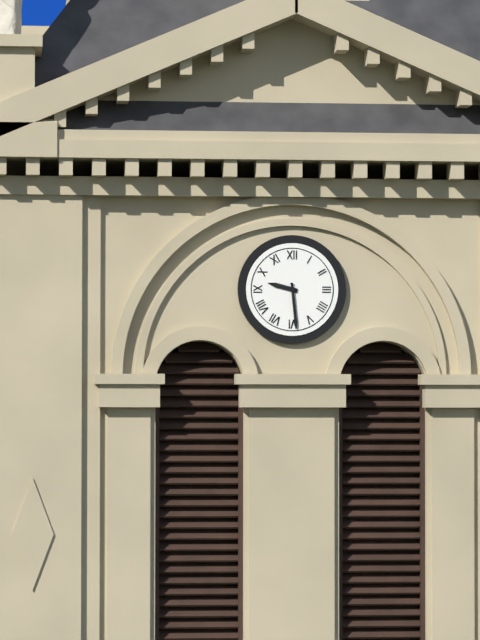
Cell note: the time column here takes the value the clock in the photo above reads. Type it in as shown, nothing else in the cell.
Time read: 9:29
